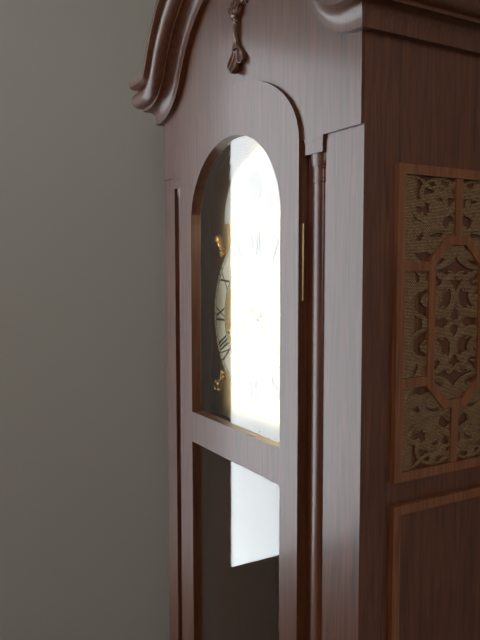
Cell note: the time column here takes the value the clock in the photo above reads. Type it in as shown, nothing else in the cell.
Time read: 8:21
